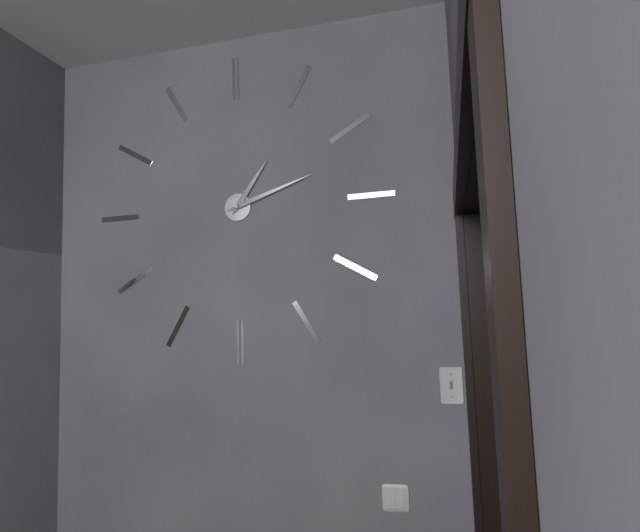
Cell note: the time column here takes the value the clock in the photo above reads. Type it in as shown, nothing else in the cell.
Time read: 1:12
